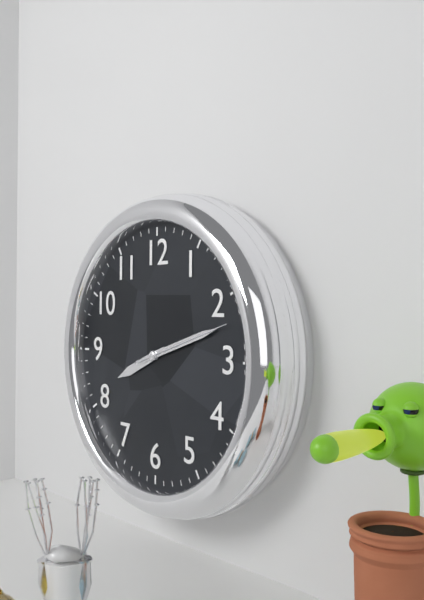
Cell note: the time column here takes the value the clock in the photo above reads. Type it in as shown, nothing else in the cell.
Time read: 8:12:12
